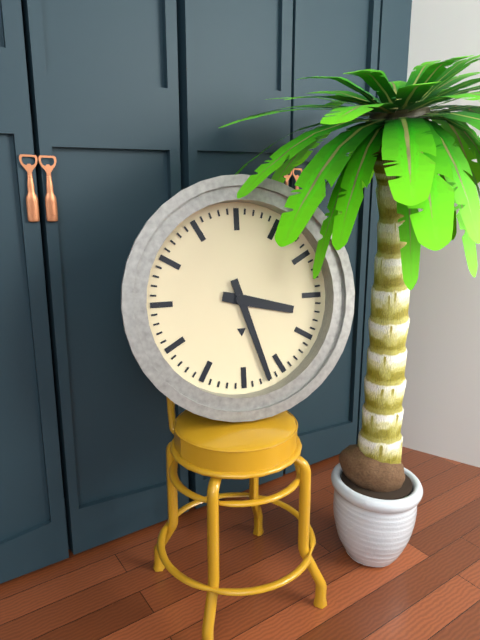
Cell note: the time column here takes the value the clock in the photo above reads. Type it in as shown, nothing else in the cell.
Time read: 3:27
